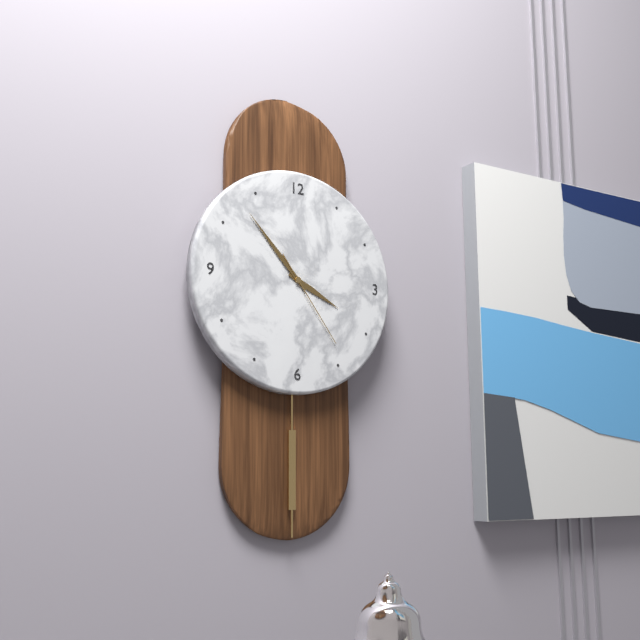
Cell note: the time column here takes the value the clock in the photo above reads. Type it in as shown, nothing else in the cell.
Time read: 3:53:24
